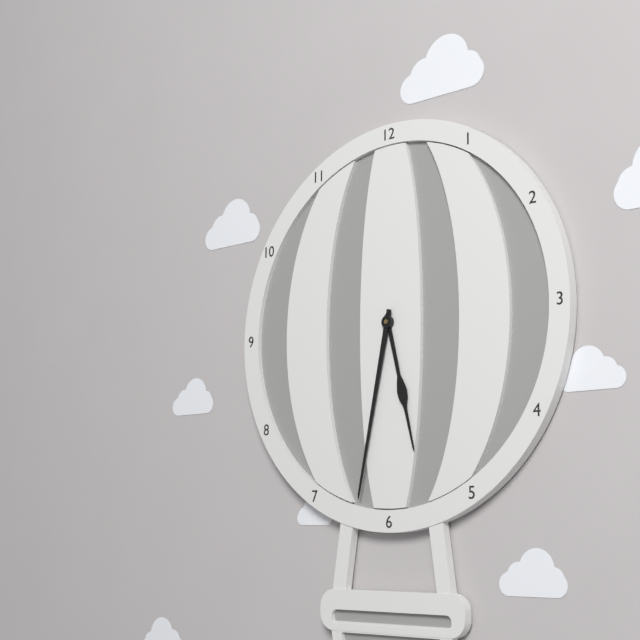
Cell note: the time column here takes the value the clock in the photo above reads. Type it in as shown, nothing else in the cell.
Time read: 5:32
